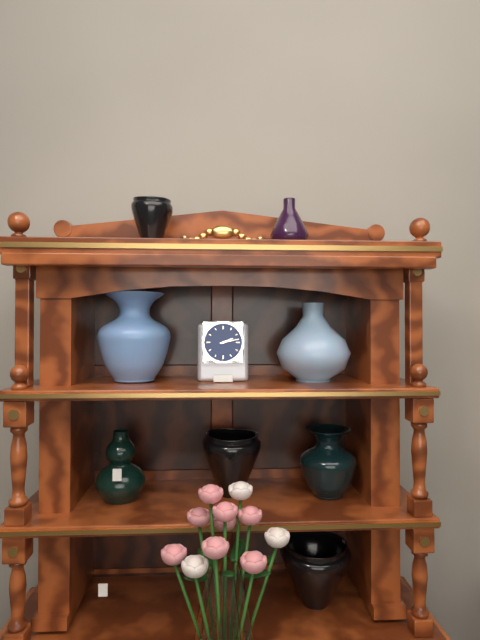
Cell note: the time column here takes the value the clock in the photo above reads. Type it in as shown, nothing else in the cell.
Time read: 2:13
